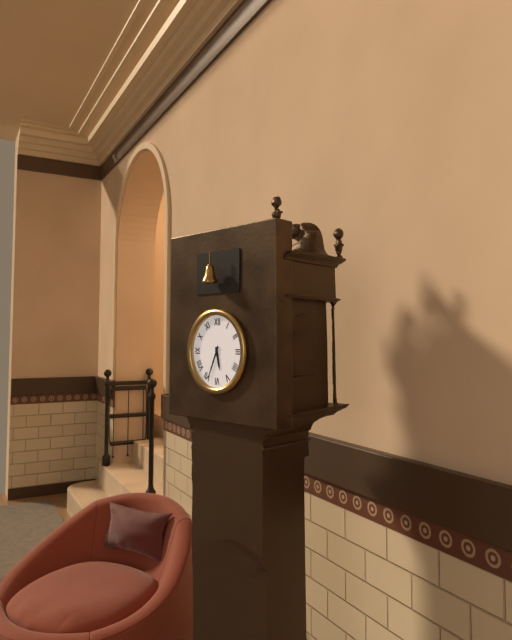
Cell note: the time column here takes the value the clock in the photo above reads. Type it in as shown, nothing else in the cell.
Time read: 5:34
